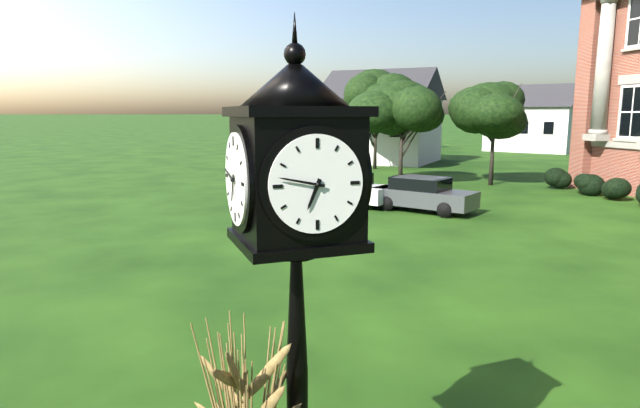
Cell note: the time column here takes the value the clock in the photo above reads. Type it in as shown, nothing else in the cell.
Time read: 6:47
